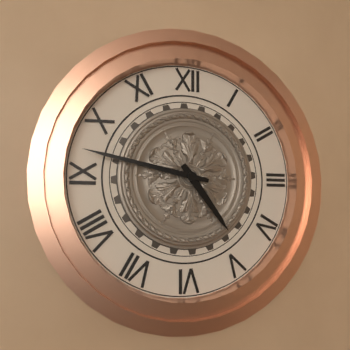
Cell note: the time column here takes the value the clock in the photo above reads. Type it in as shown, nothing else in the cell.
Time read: 4:47
